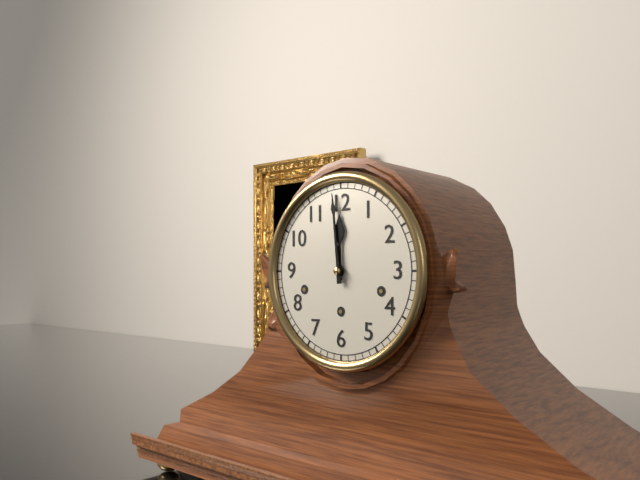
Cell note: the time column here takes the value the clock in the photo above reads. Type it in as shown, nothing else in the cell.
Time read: 11:59
